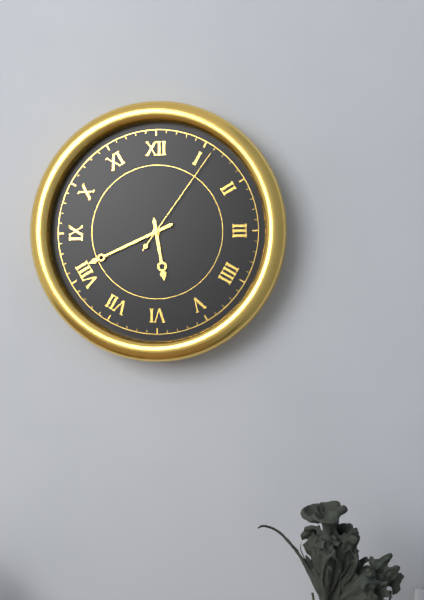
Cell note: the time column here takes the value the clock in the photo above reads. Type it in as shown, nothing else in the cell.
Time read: 5:41:06
